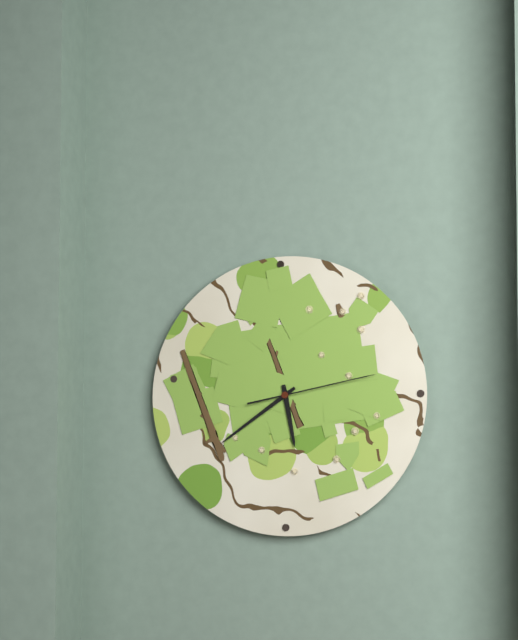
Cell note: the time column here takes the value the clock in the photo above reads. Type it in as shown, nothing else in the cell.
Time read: 5:39:13
